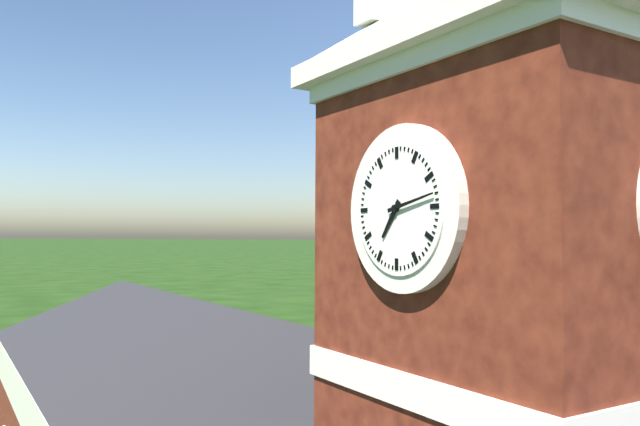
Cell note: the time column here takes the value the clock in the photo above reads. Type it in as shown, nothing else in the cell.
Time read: 7:13
